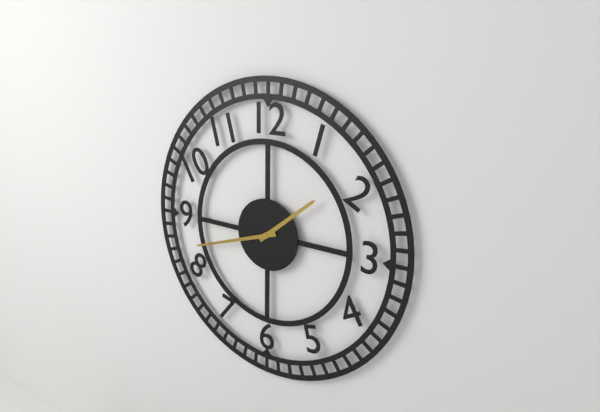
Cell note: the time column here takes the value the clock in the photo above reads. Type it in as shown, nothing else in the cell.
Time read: 1:42
